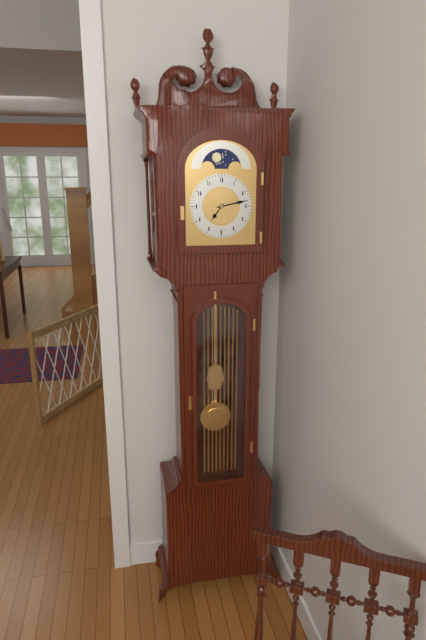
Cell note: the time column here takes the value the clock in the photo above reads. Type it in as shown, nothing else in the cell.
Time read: 7:13
